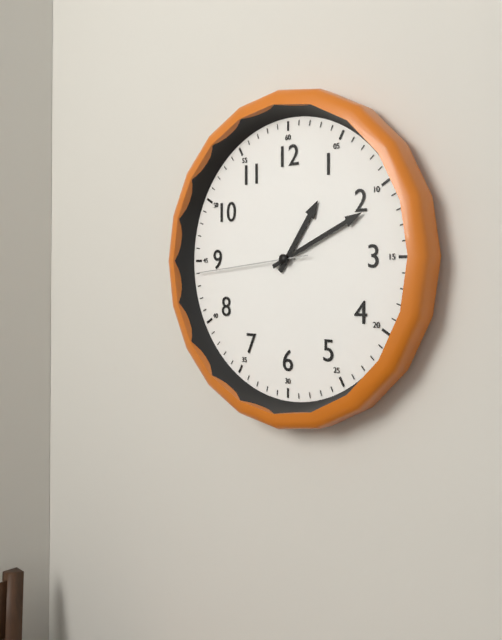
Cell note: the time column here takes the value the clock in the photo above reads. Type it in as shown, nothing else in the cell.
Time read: 1:11:44
